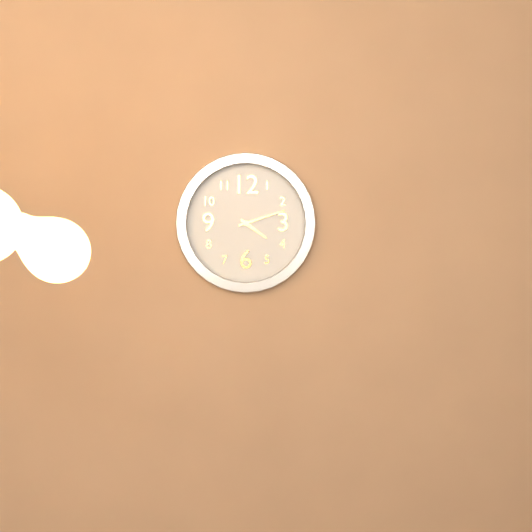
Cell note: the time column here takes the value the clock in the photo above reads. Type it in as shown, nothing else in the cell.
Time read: 4:12
